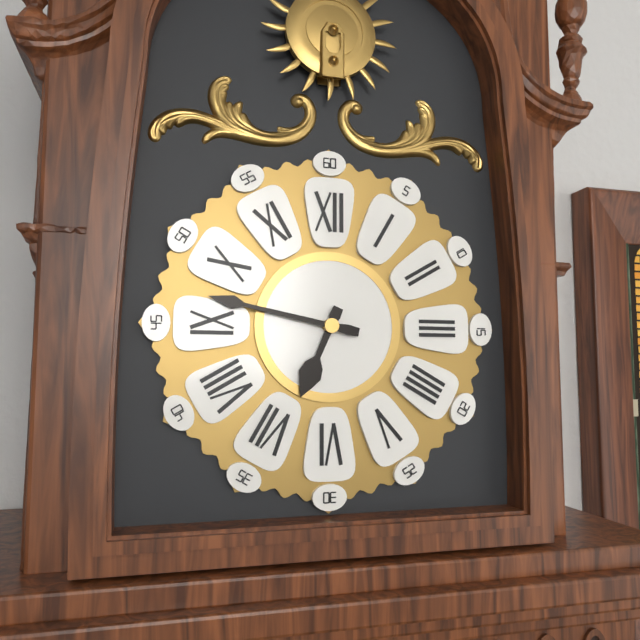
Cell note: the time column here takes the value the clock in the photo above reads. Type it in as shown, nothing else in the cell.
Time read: 6:47
